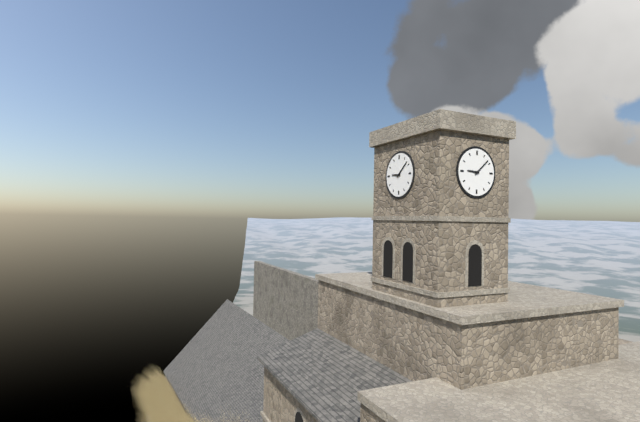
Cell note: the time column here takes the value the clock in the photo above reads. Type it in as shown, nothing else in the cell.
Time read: 9:08
